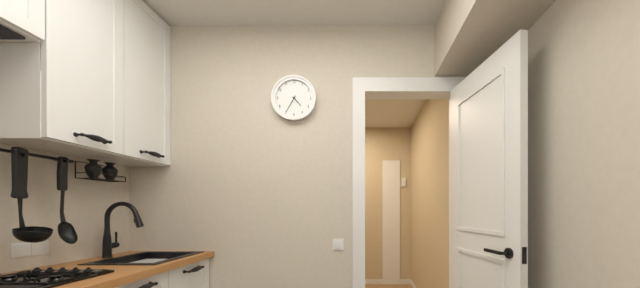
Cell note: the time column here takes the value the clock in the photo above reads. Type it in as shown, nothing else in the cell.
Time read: 4:35
